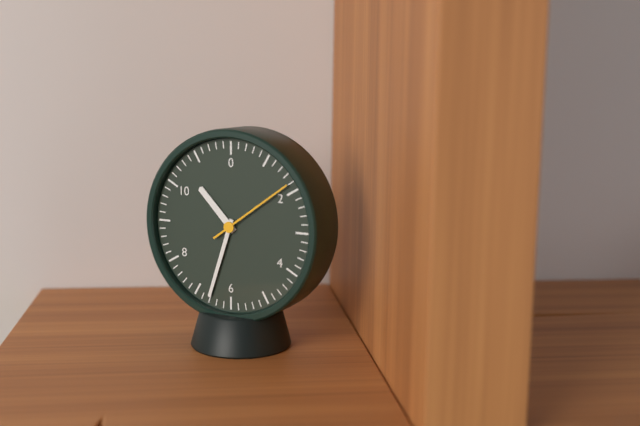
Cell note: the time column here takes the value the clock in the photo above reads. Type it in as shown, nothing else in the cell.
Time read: 10:33:09
